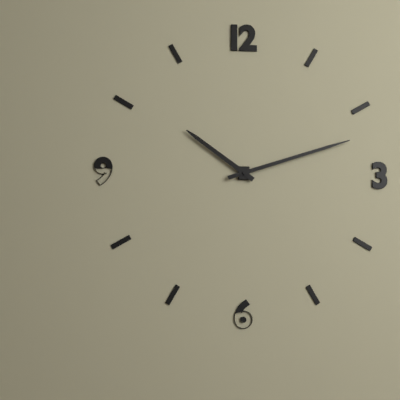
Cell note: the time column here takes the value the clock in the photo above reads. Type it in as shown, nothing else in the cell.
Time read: 10:12
